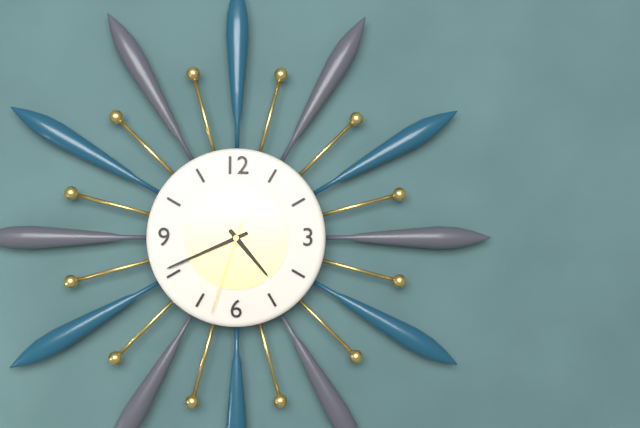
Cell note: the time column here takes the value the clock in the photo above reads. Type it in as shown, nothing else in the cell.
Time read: 4:41:33
